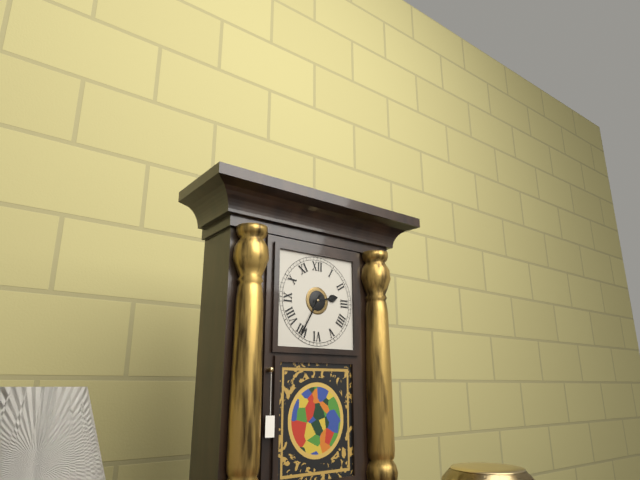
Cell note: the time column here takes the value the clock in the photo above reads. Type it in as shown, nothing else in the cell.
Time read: 2:35
